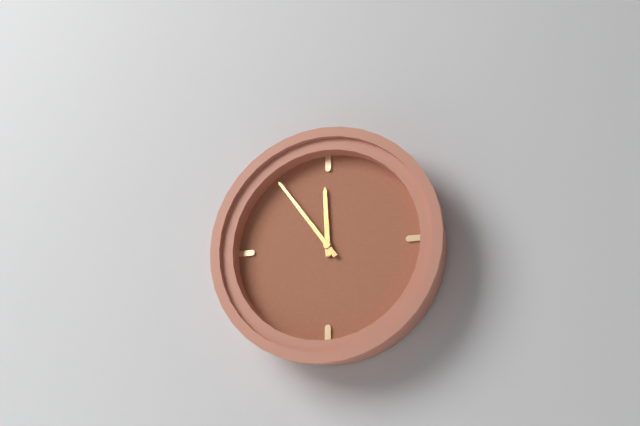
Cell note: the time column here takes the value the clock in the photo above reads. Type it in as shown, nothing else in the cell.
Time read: 11:54
